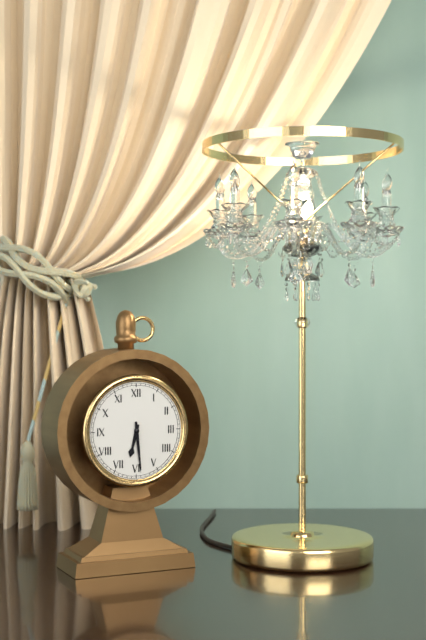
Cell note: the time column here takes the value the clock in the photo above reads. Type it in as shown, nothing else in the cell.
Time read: 6:29
